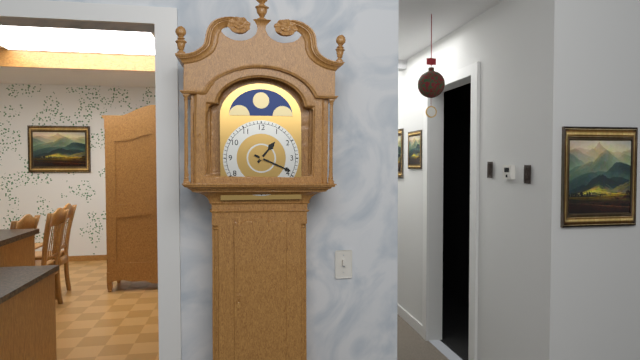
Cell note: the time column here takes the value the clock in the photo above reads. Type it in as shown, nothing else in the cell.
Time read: 1:19
